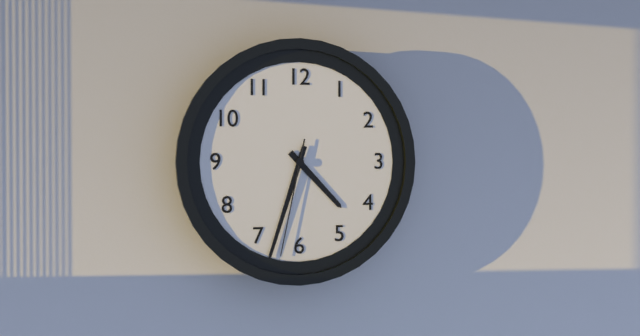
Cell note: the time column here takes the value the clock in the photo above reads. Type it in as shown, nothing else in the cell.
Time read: 4:33:32
